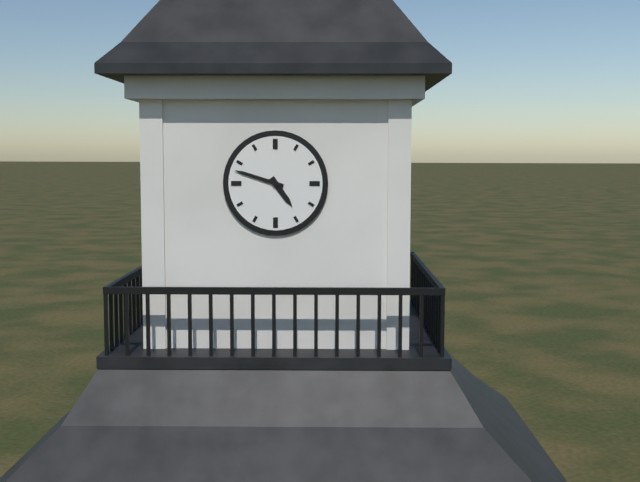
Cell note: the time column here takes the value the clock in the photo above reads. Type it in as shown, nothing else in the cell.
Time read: 4:48
